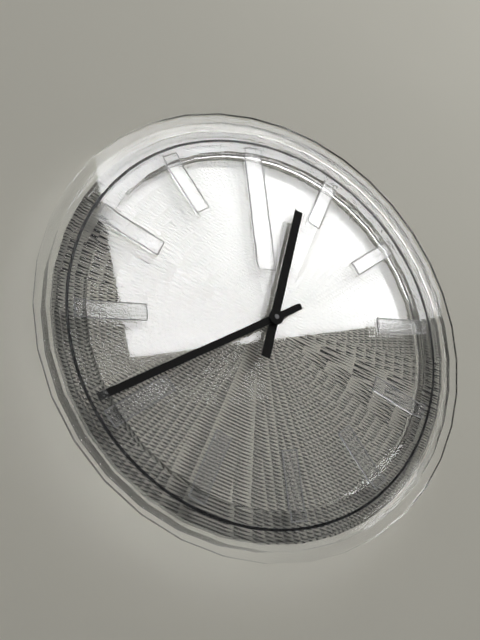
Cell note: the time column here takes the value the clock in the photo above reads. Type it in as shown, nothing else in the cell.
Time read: 12:41
